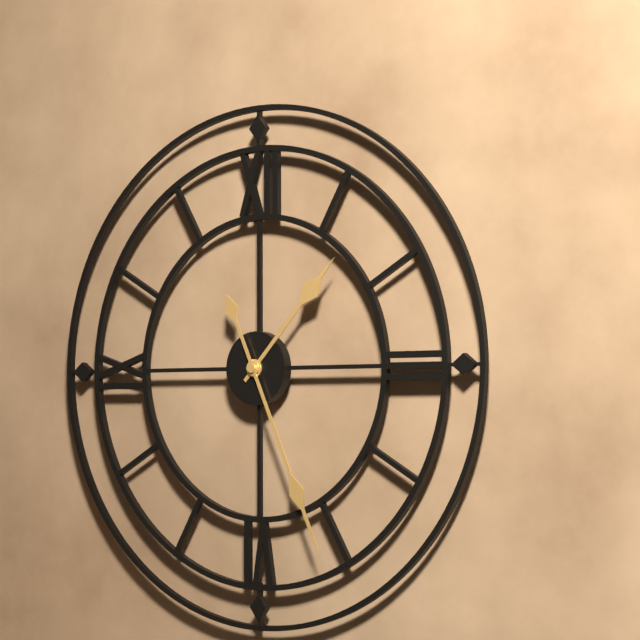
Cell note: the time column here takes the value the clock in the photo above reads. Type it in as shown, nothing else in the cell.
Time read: 1:26
